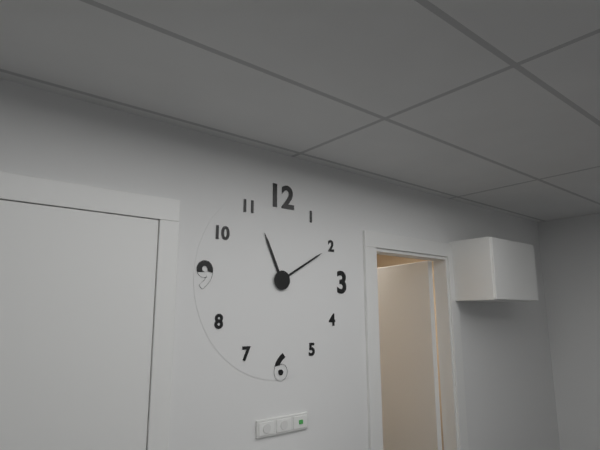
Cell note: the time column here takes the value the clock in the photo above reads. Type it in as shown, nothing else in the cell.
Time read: 11:10
